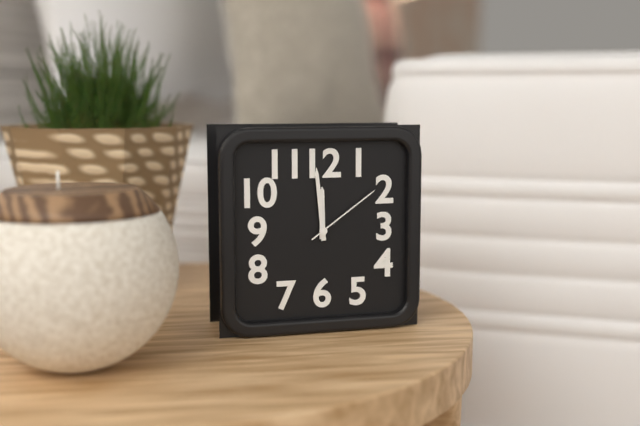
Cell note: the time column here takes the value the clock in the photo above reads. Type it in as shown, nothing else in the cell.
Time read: 11:59:09
